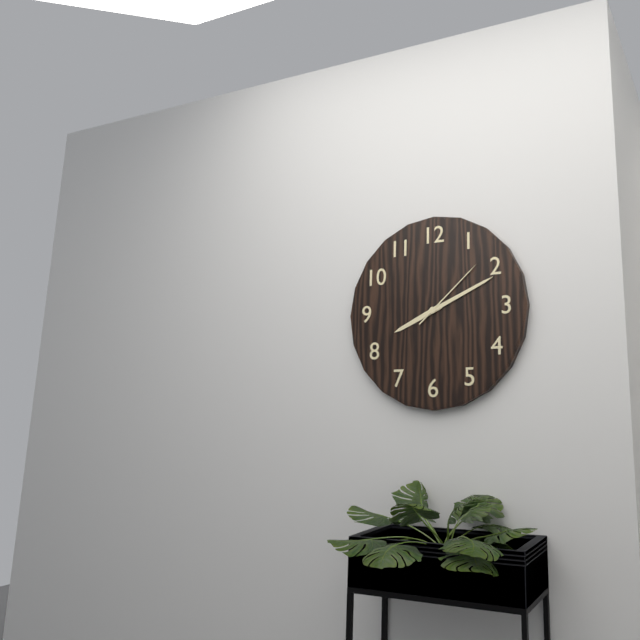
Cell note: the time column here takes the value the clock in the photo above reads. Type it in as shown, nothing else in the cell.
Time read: 8:11:08
